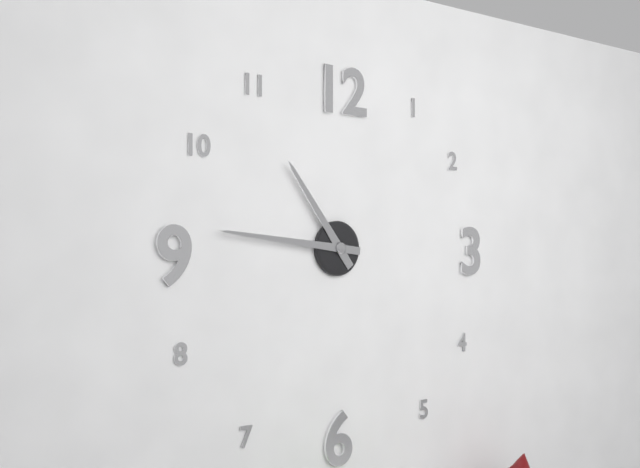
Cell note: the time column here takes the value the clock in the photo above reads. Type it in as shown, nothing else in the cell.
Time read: 10:46
